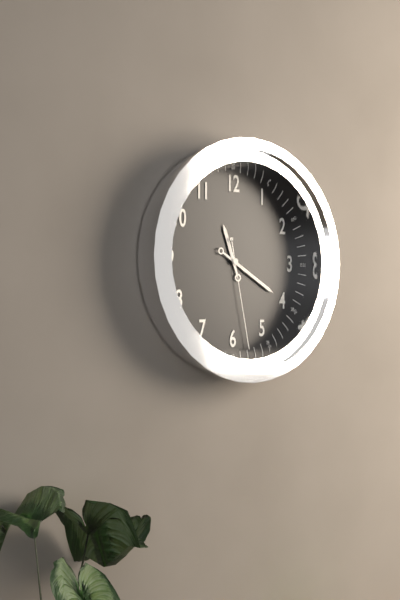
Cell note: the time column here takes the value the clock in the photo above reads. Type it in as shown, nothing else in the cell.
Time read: 11:20:28
